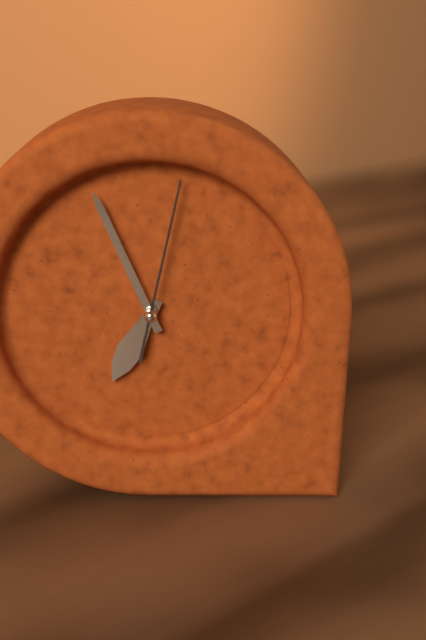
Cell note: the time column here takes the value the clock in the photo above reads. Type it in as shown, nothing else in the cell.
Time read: 6:56:02
